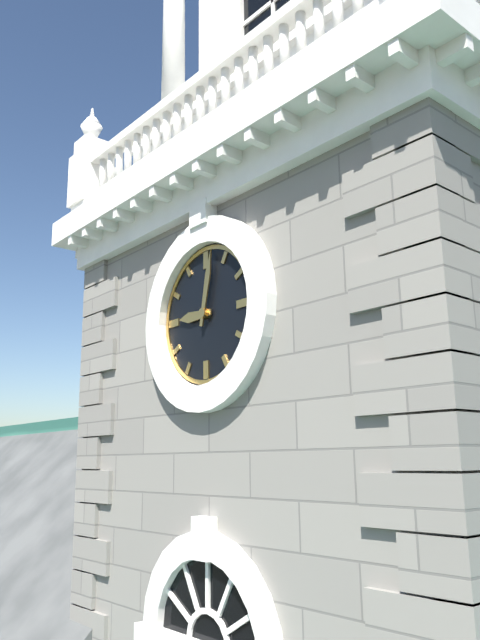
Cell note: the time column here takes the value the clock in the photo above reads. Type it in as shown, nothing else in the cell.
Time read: 9:02
